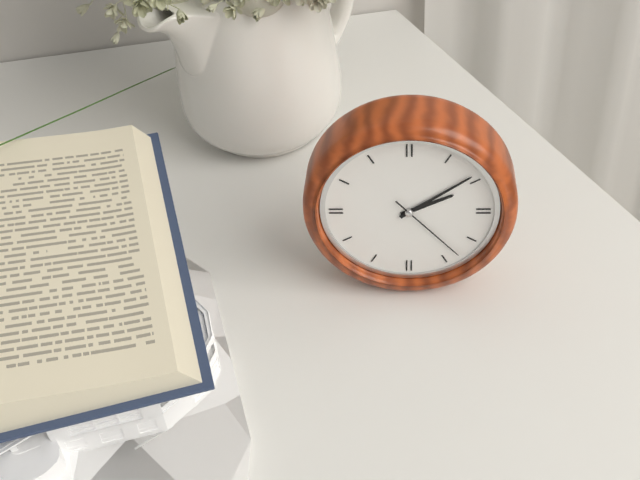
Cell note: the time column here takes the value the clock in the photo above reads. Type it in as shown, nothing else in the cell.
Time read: 2:09:23
